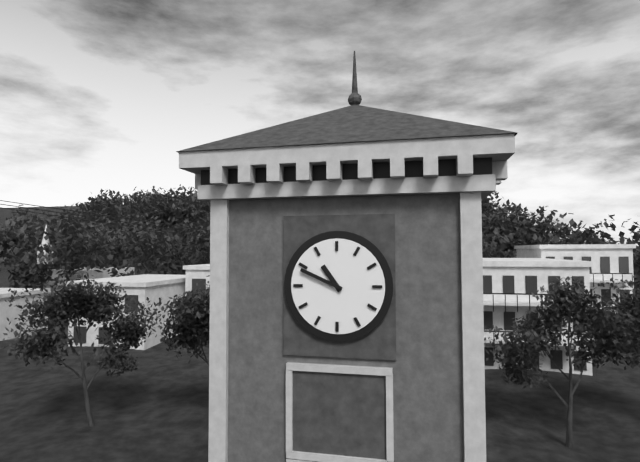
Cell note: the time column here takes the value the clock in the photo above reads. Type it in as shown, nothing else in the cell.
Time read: 10:49
